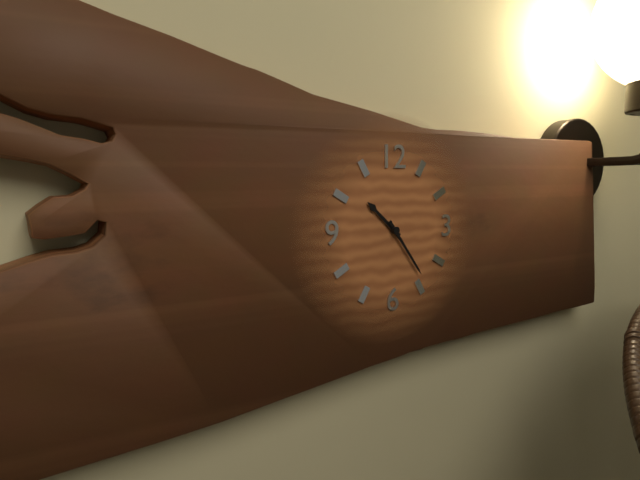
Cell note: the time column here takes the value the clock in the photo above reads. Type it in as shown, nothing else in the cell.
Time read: 10:24
